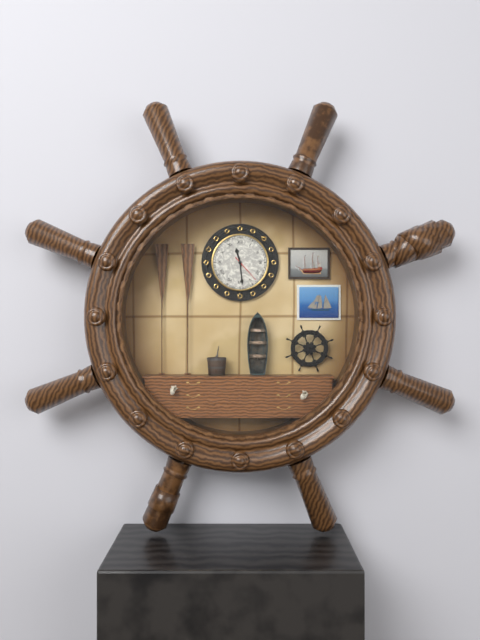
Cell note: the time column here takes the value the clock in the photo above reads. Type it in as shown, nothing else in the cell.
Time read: 11:29
